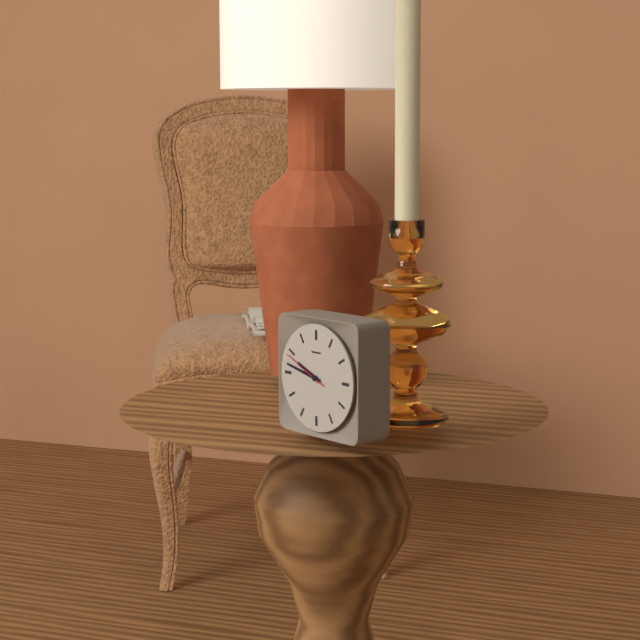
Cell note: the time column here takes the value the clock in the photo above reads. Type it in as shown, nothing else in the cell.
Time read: 9:47:49
